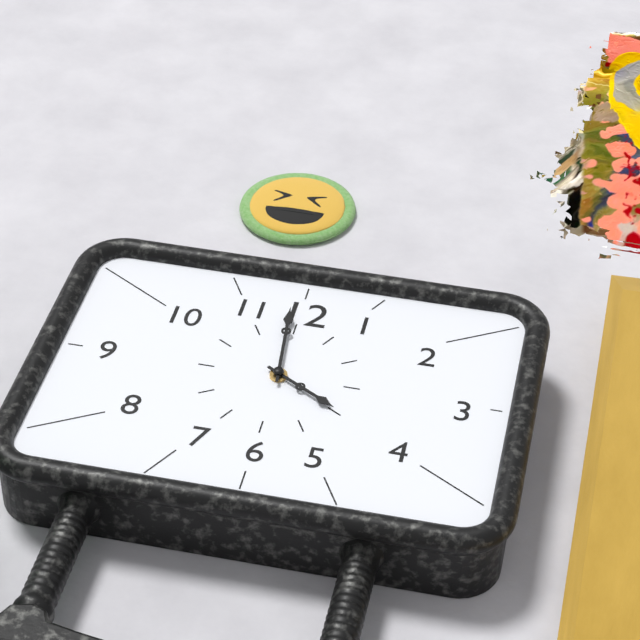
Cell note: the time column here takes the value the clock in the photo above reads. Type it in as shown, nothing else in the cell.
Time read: 3:59
